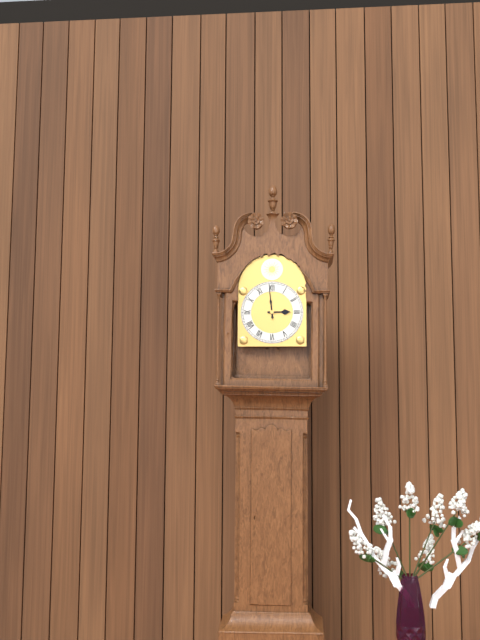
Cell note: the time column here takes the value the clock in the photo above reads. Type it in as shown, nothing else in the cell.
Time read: 2:59
